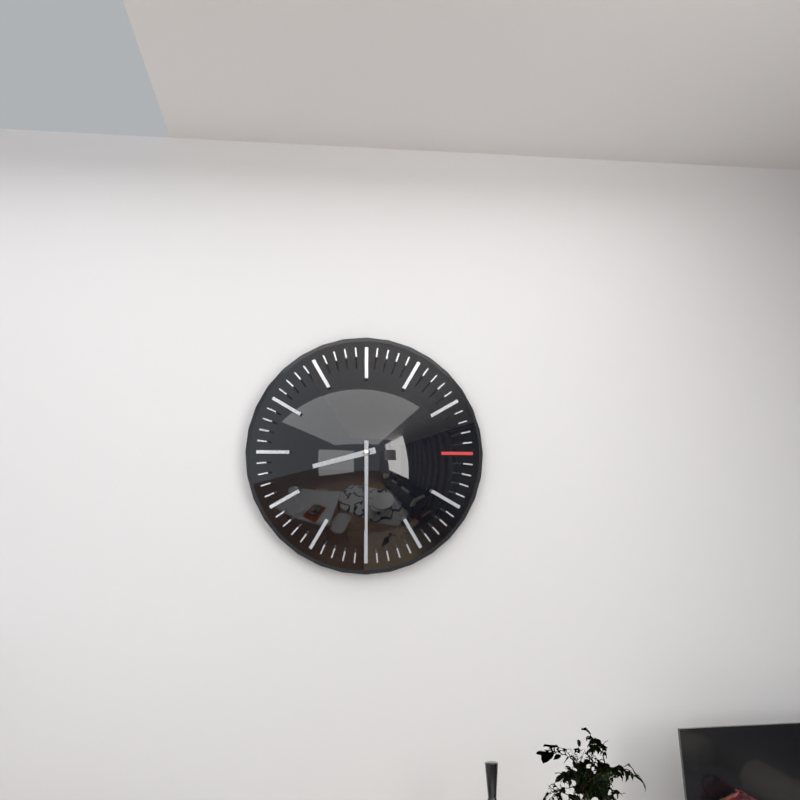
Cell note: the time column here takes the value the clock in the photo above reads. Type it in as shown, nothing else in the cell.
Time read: 8:30
